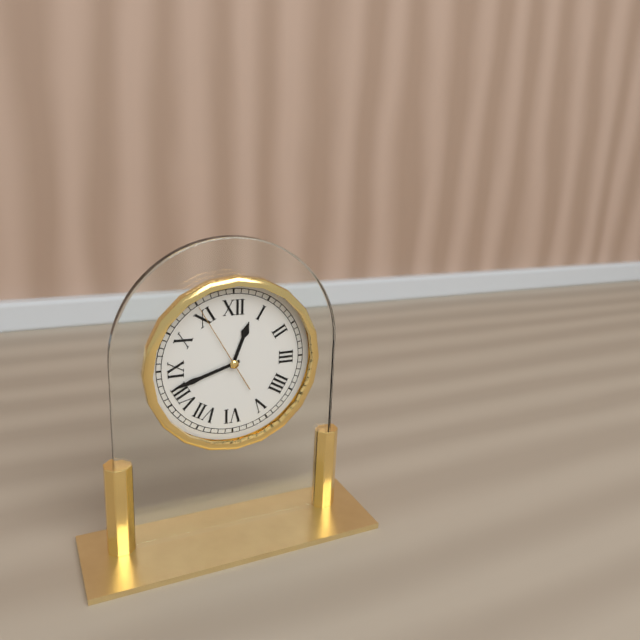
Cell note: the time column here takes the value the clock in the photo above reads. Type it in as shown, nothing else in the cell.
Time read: 12:42:55
